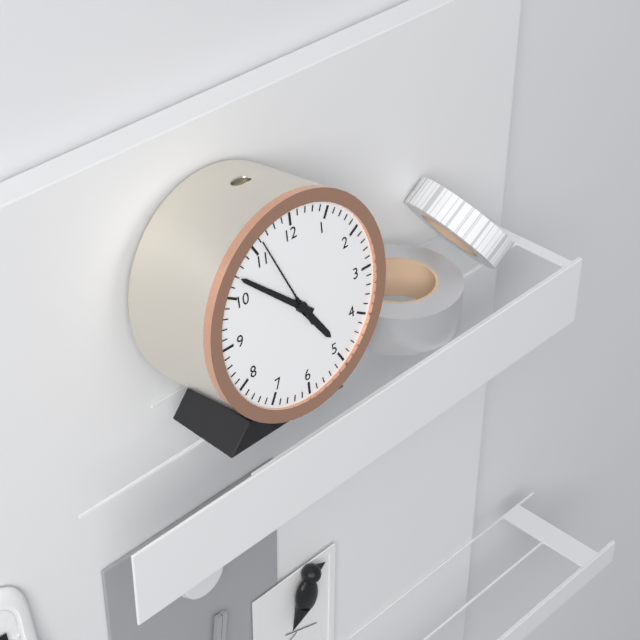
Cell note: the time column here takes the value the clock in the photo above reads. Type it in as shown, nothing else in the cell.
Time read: 4:52:56
